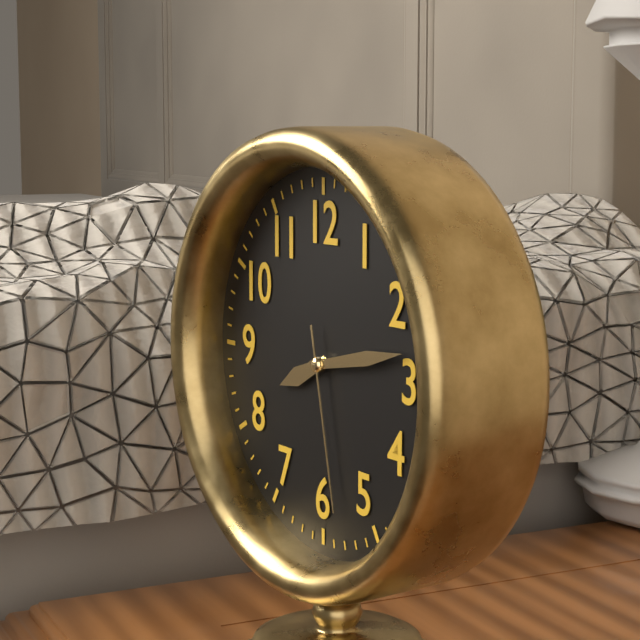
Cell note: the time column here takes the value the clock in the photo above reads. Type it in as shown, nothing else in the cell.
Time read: 8:13:28
